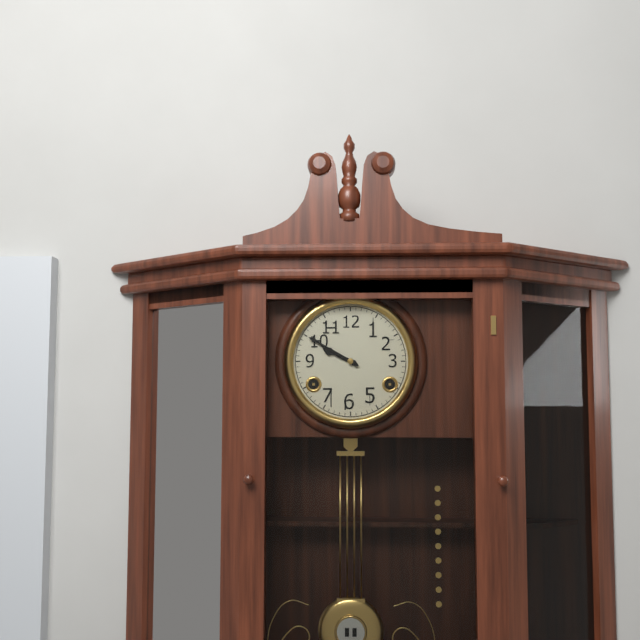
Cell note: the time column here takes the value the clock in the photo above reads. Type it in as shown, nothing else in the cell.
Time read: 9:50
